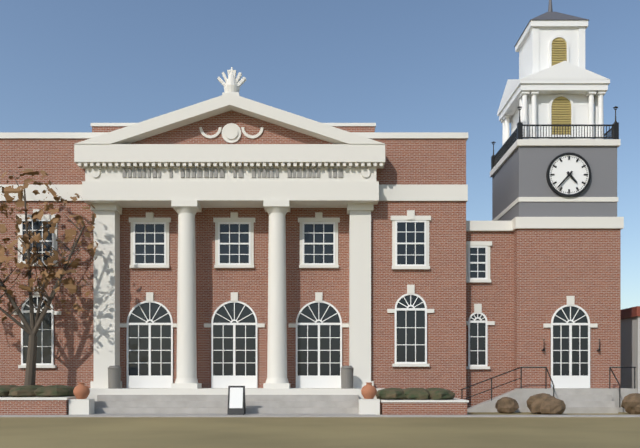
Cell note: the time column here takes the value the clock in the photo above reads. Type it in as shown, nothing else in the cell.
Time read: 4:37
